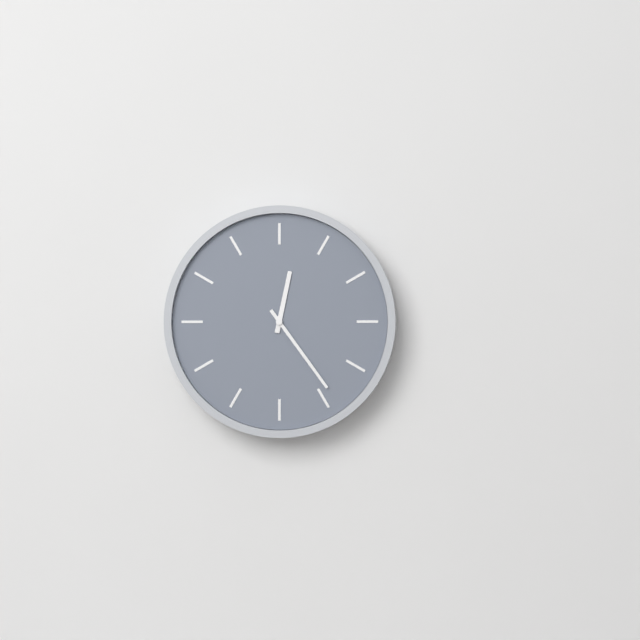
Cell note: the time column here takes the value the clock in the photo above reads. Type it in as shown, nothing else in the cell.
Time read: 12:24
